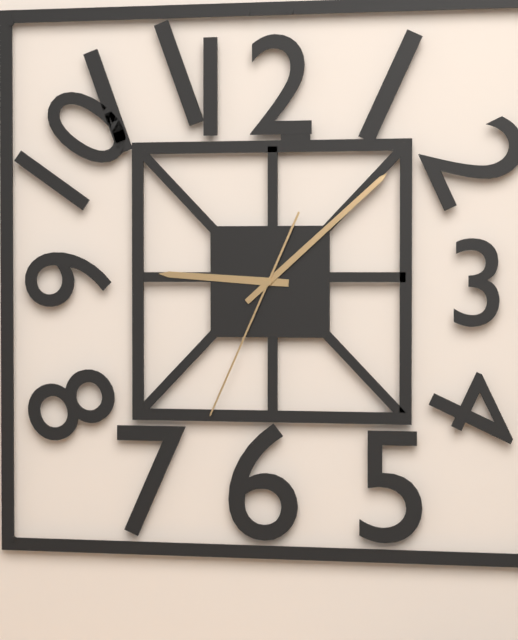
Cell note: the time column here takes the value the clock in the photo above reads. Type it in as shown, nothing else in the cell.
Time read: 9:08:34
